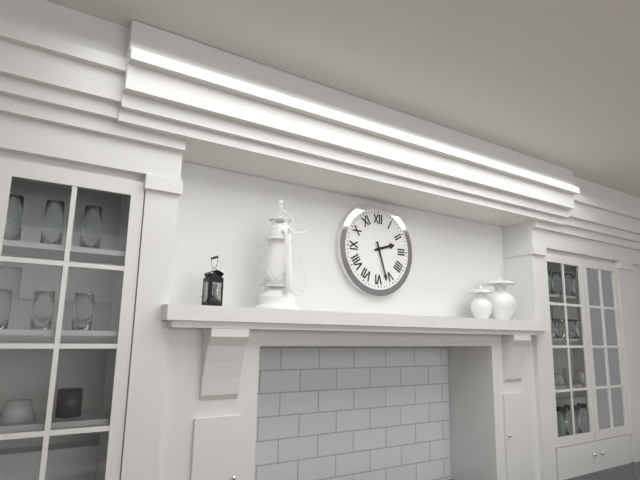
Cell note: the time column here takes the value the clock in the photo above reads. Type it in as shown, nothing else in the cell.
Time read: 2:27
